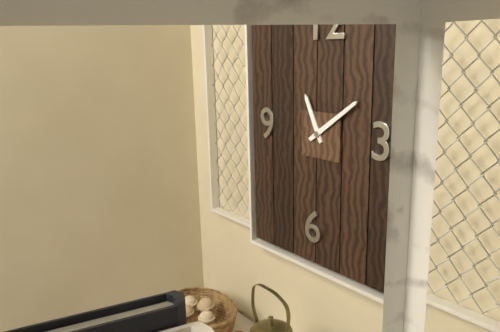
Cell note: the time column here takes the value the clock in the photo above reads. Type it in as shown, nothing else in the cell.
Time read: 11:09
